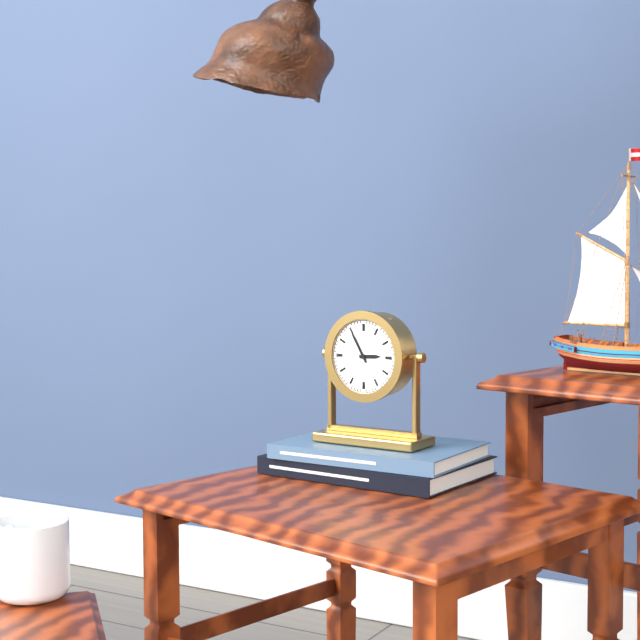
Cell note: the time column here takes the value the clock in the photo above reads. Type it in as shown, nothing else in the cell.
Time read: 2:55
